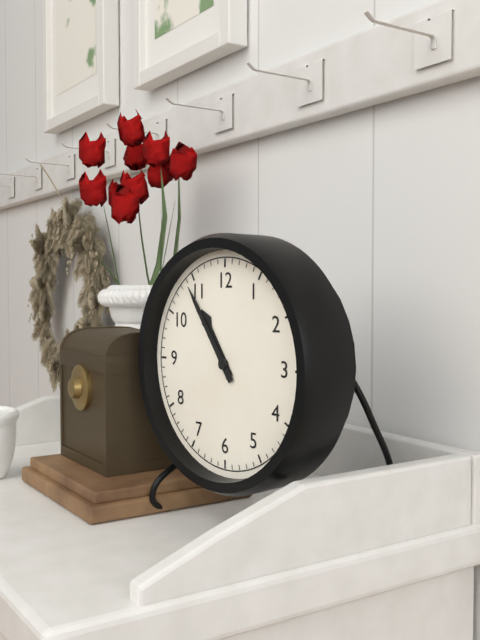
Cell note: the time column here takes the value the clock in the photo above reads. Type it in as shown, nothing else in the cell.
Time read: 10:54
